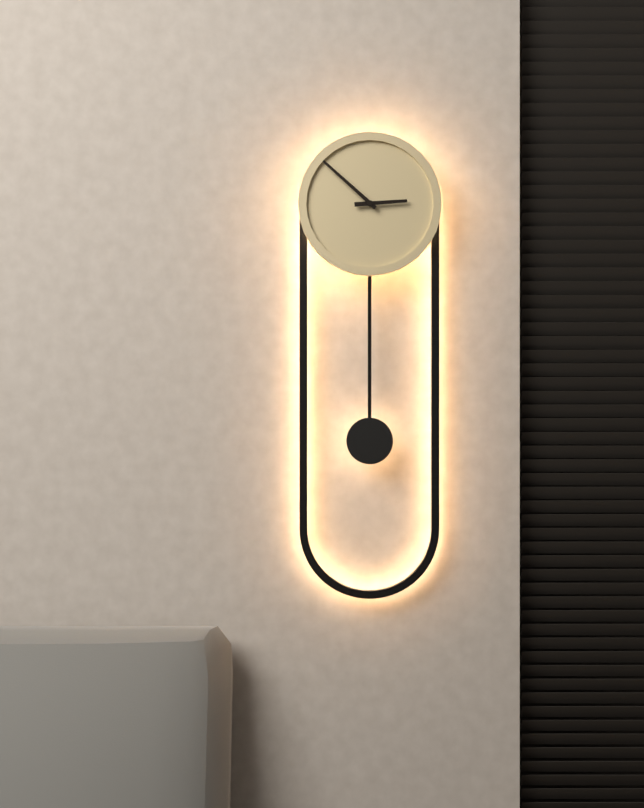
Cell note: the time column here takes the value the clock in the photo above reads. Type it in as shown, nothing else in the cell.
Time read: 2:52
